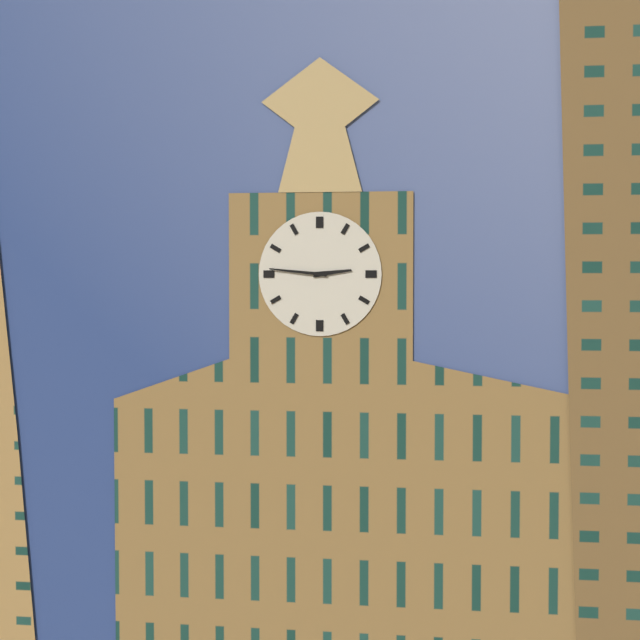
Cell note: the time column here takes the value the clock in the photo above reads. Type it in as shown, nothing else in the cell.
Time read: 2:46
